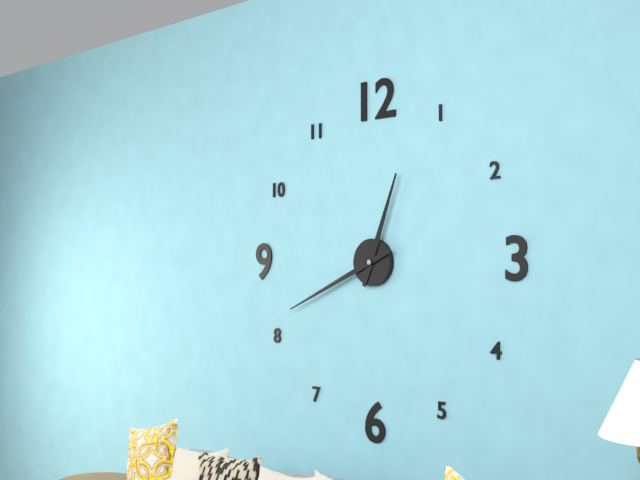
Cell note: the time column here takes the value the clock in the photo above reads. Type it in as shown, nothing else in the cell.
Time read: 12:41
